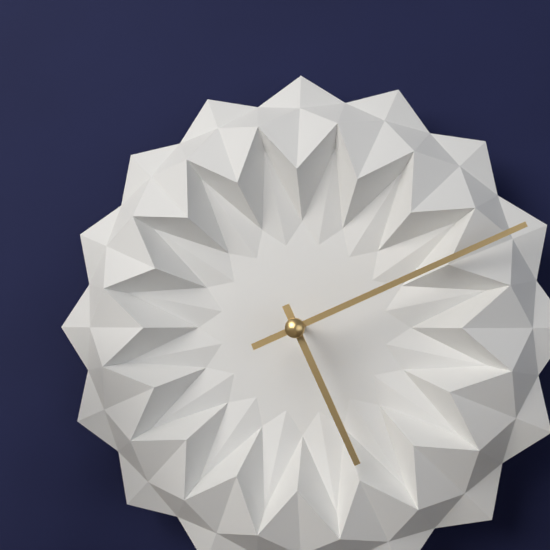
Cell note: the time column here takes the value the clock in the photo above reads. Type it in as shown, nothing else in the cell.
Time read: 5:11
